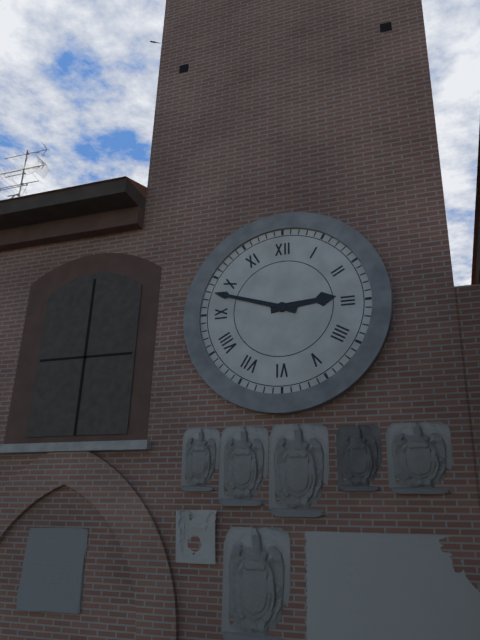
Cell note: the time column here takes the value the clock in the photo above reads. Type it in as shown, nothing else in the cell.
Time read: 2:48
